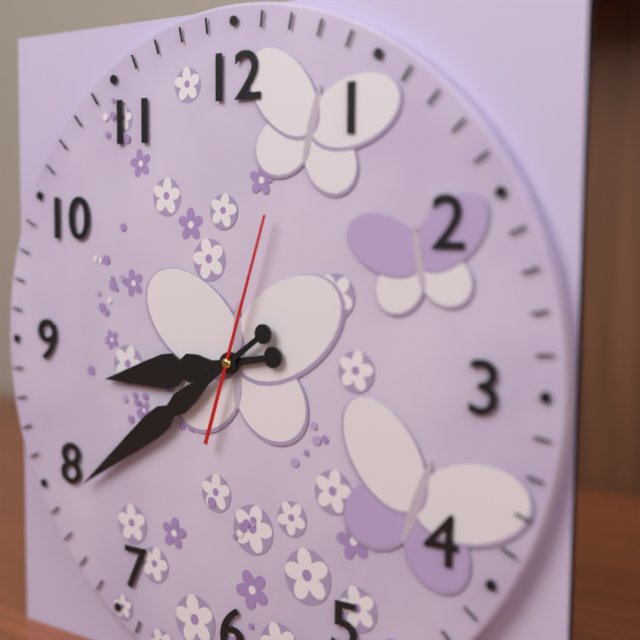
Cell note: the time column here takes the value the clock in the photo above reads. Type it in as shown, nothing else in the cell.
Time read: 8:39:03
